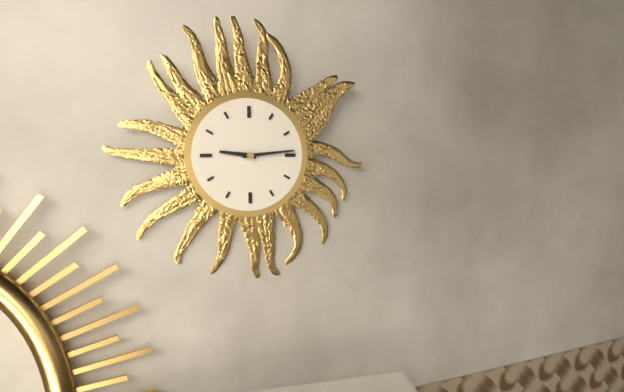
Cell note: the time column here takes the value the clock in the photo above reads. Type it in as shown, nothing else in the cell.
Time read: 9:14
